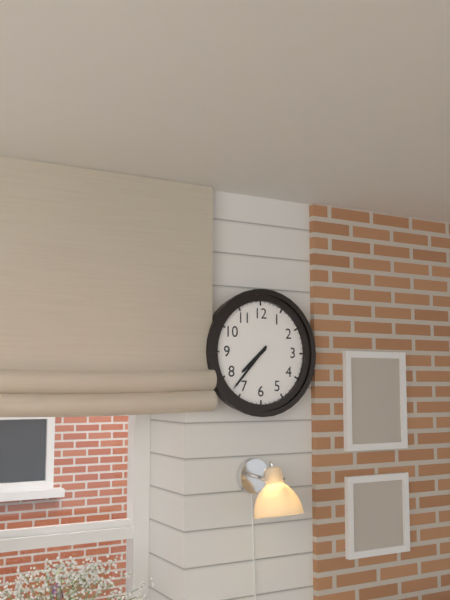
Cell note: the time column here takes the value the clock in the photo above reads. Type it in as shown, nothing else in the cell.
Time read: 7:37
